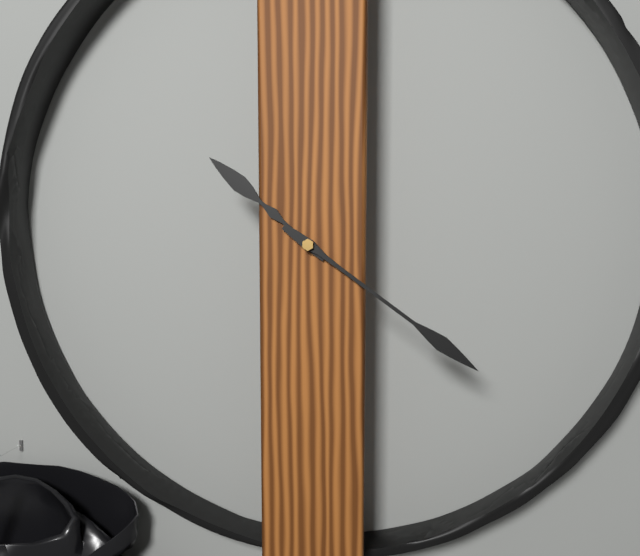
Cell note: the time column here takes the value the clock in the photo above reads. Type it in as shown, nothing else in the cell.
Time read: 10:21
